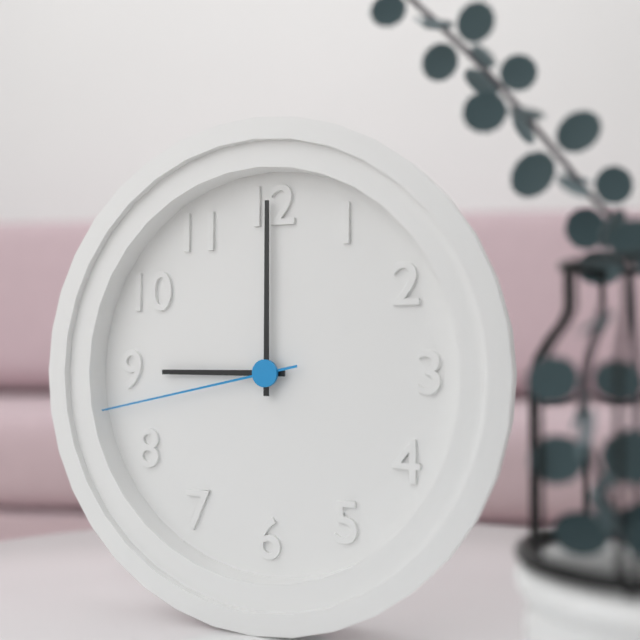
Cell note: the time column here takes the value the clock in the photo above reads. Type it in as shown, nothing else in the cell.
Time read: 9:00:43
